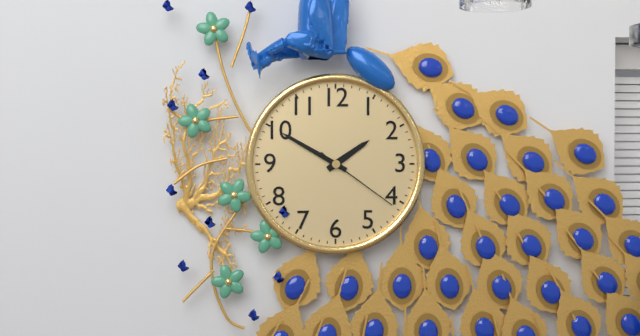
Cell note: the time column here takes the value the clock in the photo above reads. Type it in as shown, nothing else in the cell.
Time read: 1:50:21
